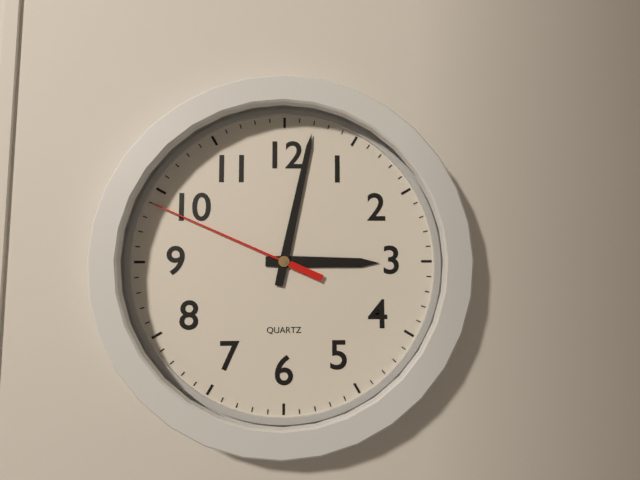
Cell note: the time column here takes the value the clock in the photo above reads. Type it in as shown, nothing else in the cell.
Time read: 3:02:49
